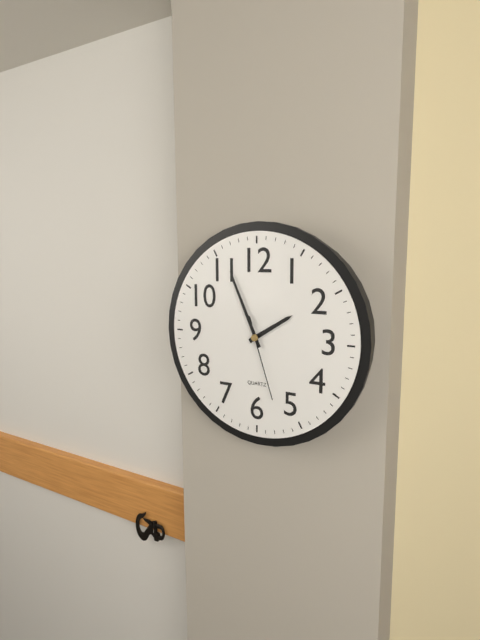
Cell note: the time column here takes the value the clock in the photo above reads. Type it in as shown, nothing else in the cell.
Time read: 1:56:27
